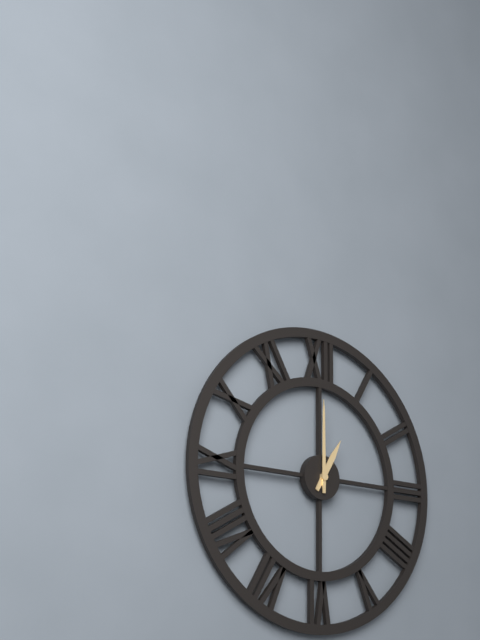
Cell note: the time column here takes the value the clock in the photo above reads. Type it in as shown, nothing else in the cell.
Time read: 1:00
